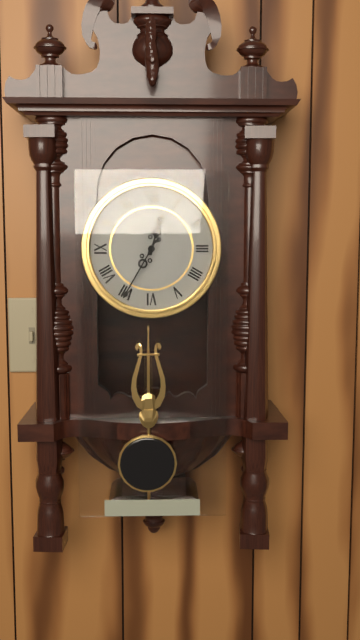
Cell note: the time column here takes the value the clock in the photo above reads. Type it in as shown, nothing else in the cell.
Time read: 12:35
